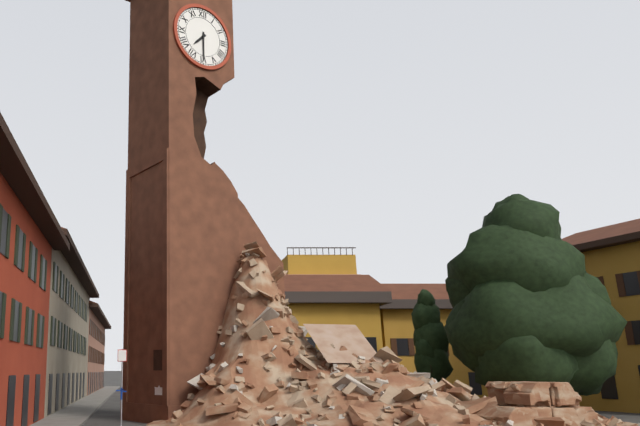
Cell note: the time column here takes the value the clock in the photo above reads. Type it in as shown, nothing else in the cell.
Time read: 7:30
